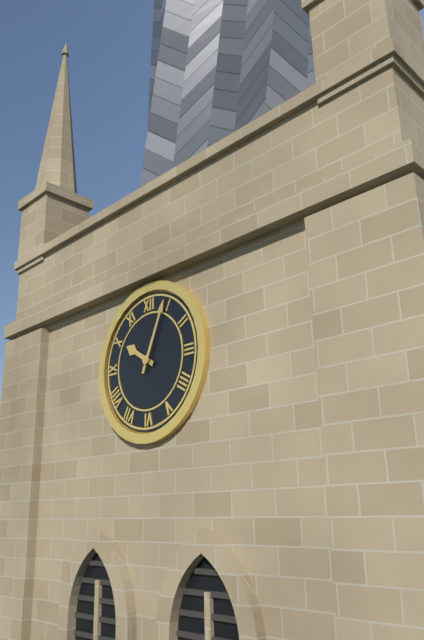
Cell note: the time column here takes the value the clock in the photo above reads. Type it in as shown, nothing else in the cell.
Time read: 10:04
